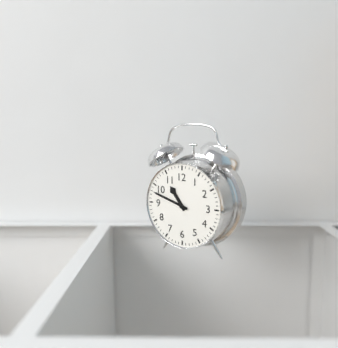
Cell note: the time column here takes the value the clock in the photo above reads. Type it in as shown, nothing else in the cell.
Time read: 10:48
